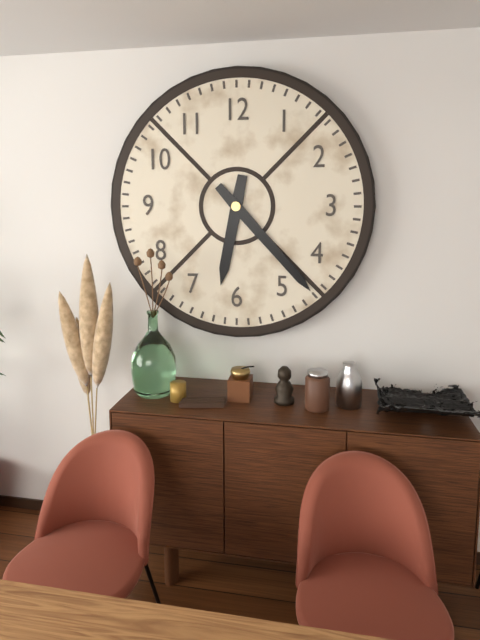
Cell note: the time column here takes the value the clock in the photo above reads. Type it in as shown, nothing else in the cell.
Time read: 6:23
